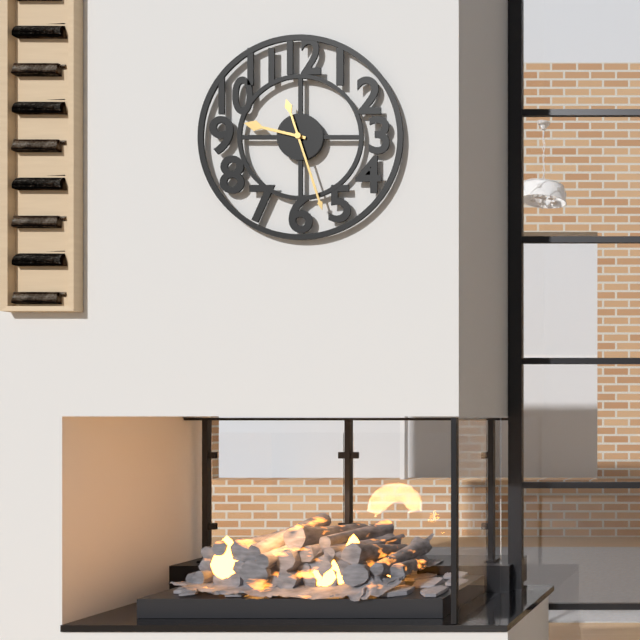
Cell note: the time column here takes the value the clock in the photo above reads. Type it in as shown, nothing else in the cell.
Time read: 9:27
